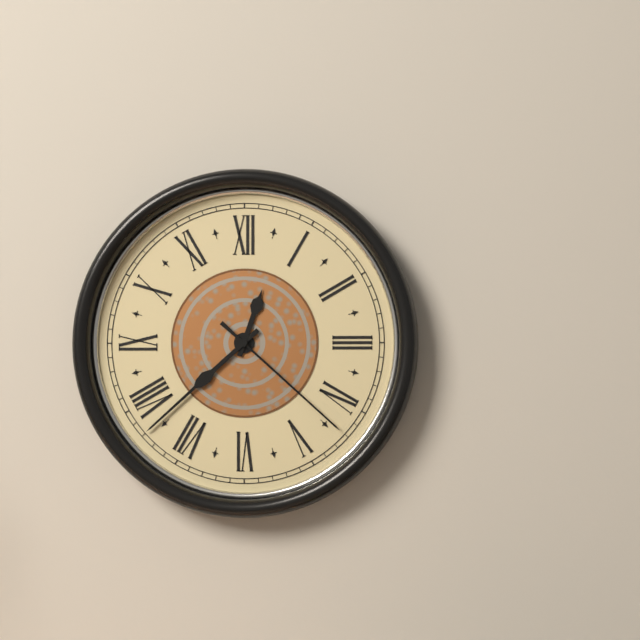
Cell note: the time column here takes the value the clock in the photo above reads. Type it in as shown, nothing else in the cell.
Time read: 12:38:22
